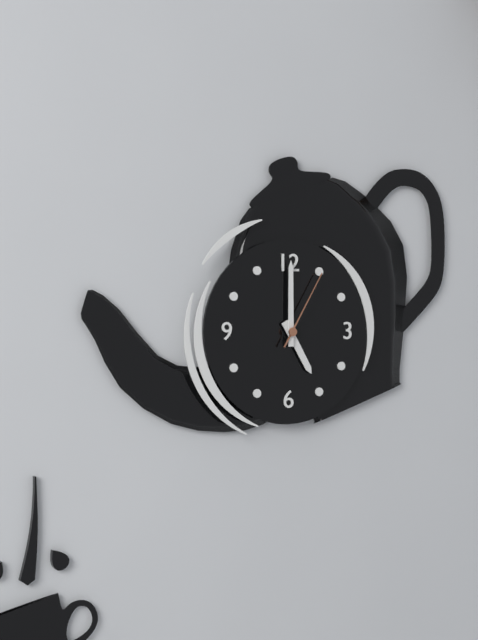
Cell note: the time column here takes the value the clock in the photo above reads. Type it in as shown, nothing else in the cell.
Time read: 5:00:05
